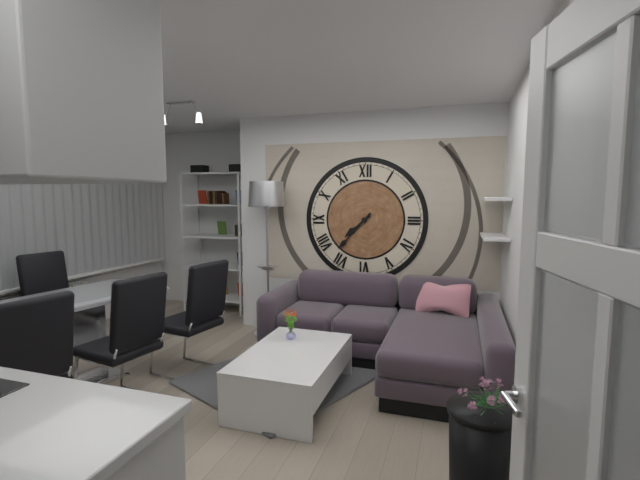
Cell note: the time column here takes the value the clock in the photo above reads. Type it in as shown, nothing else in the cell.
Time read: 7:37
